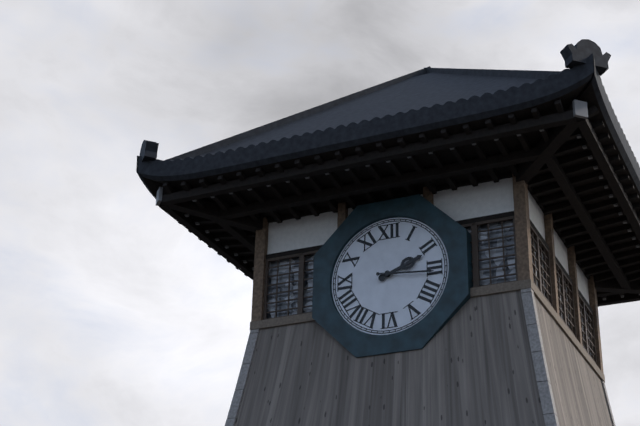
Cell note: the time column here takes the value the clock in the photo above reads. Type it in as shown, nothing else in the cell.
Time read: 2:16
